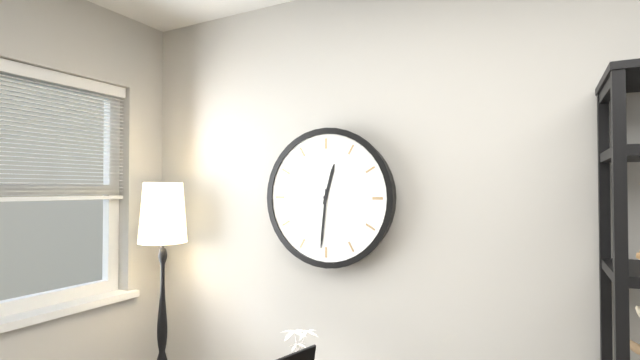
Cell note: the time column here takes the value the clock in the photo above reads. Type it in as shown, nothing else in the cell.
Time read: 12:31
